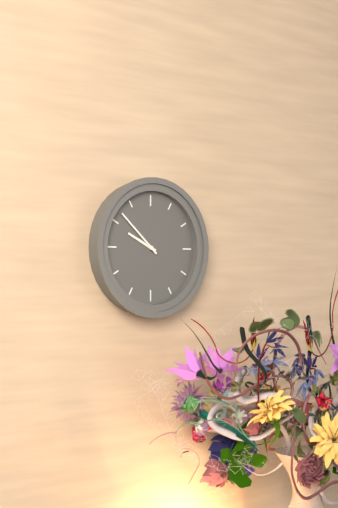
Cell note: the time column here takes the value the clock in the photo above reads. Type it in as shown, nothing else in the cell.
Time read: 9:52
